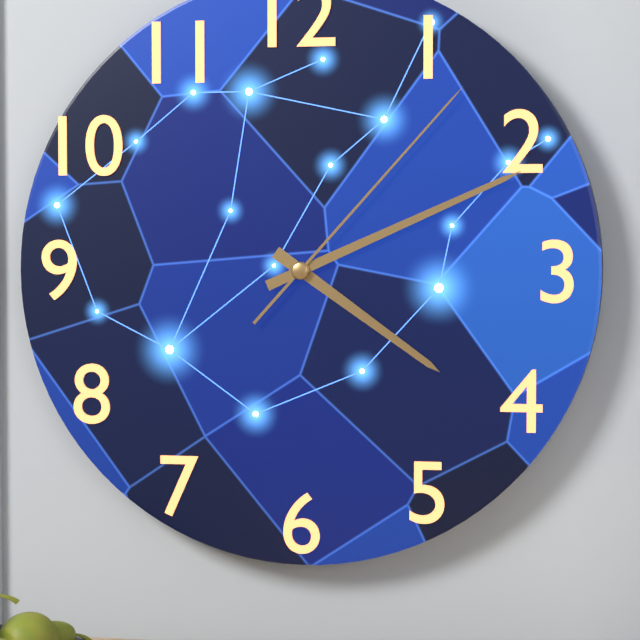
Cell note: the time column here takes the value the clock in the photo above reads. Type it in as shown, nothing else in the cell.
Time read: 4:11:07
